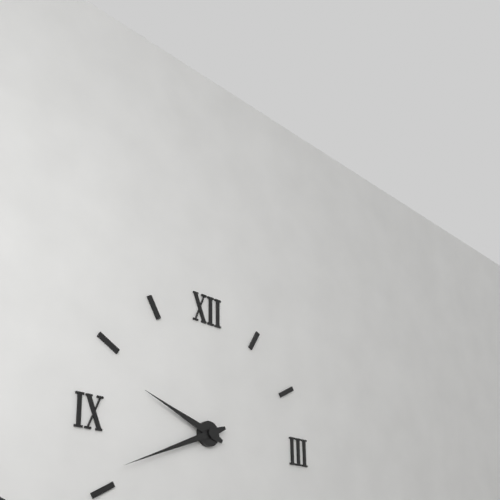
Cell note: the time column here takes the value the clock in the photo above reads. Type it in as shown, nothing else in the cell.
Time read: 9:41
